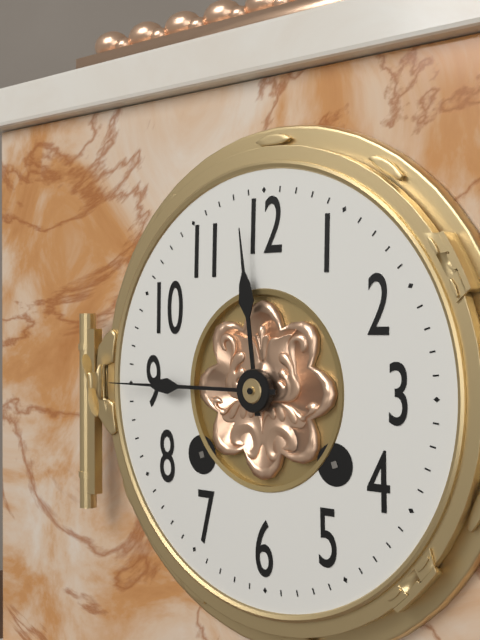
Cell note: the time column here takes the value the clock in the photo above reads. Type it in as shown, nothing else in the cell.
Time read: 11:45
